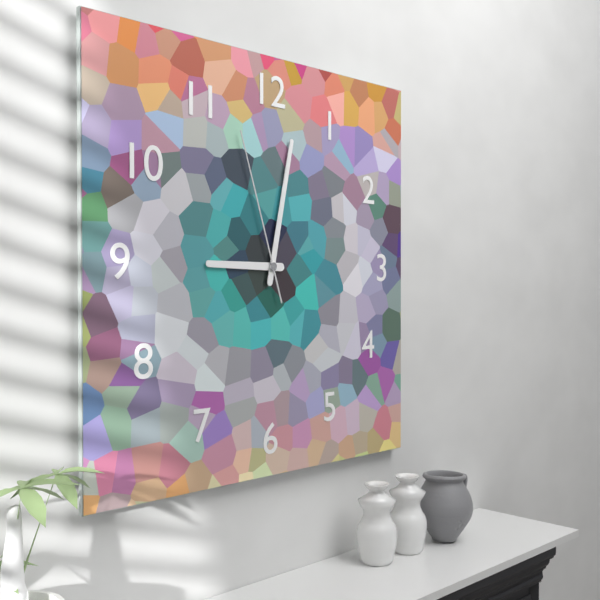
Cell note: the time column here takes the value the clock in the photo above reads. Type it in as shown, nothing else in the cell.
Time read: 9:02:57
